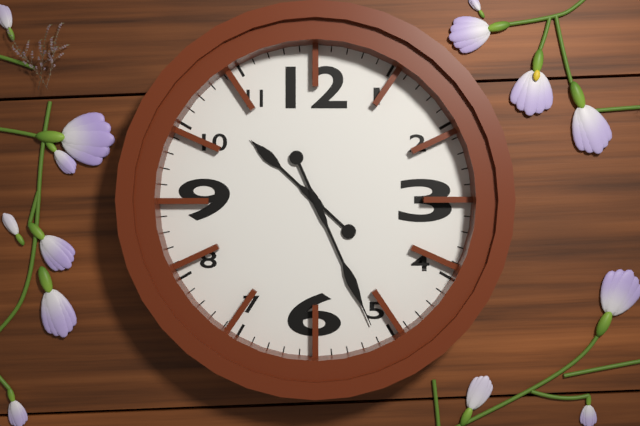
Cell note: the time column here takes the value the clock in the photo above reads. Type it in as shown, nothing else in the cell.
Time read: 10:26
